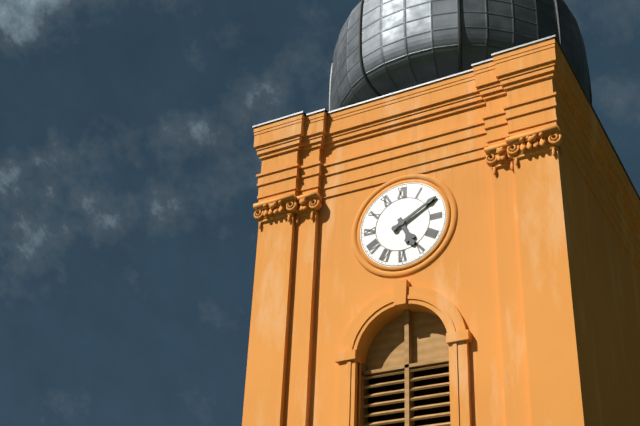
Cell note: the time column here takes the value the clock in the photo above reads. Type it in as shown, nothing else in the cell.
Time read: 5:10
